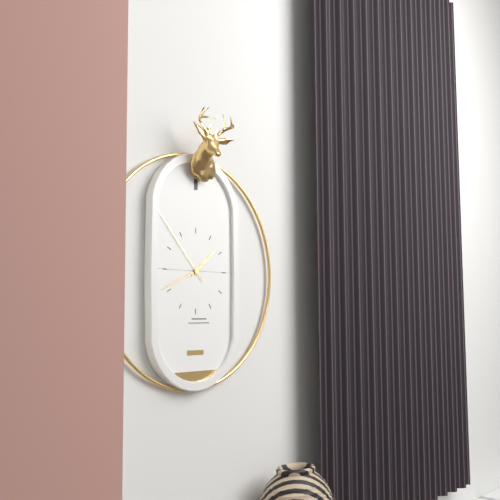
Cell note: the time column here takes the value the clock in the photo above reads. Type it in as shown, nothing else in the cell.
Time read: 1:41:53
